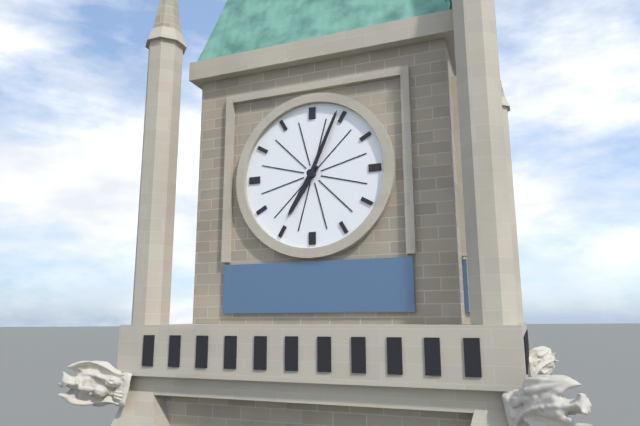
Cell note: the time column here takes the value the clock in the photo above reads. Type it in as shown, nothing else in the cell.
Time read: 7:04
